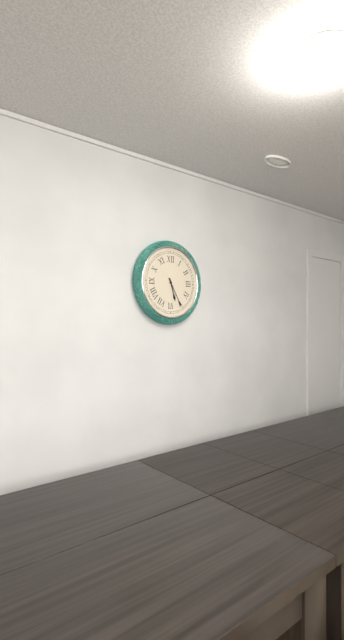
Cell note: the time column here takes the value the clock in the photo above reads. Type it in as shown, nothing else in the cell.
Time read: 5:25
